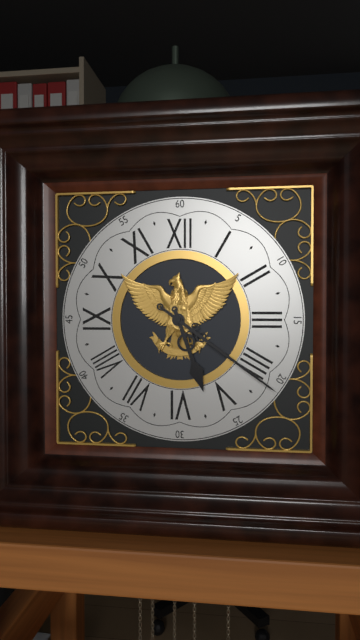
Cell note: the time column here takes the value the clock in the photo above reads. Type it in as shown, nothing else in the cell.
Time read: 5:21
